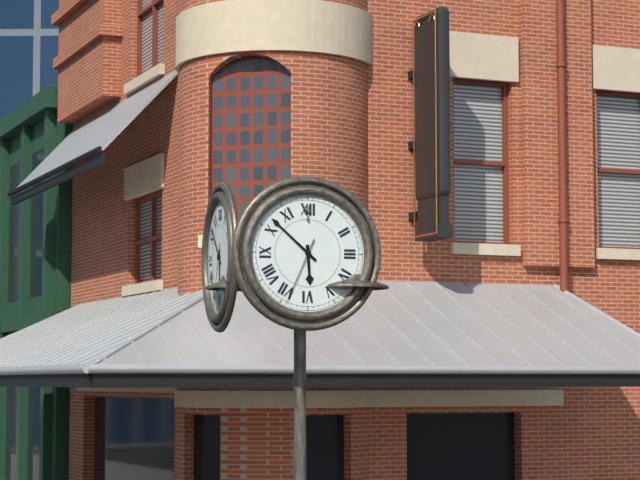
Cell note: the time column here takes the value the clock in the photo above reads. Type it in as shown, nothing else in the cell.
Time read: 5:52:34
